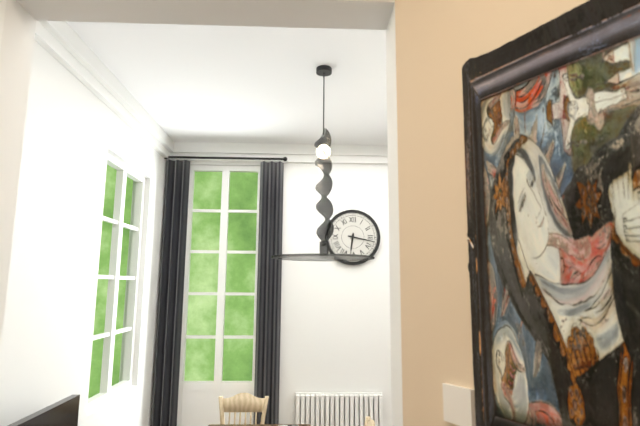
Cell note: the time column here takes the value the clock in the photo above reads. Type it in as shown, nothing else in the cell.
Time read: 6:17
